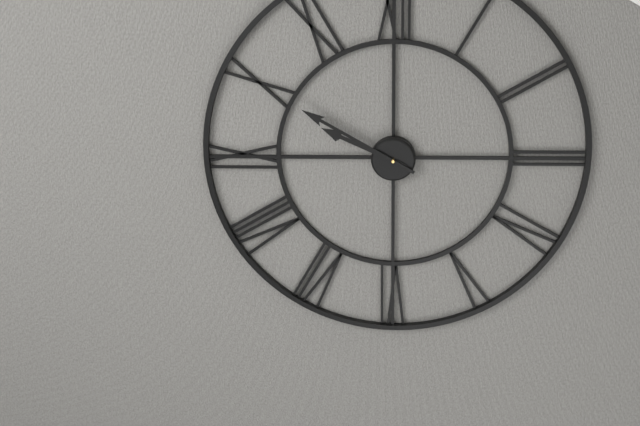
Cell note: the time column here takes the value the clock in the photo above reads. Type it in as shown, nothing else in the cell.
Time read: 9:50
